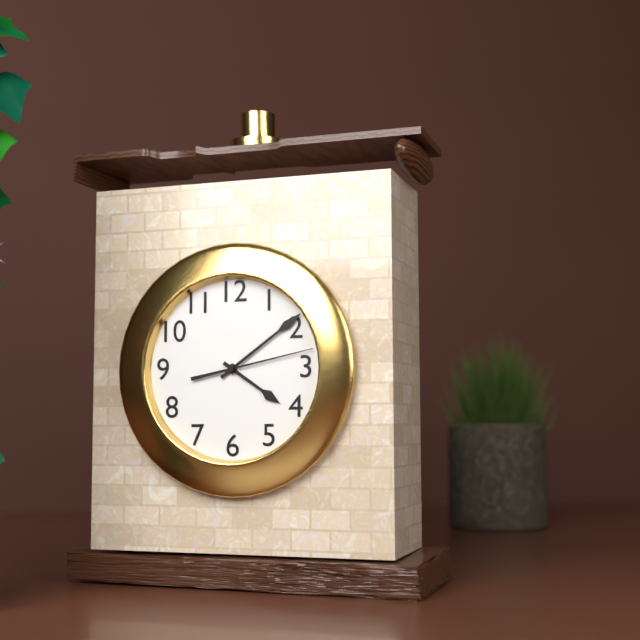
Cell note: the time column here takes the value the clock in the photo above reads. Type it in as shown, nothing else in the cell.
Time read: 4:09:13
